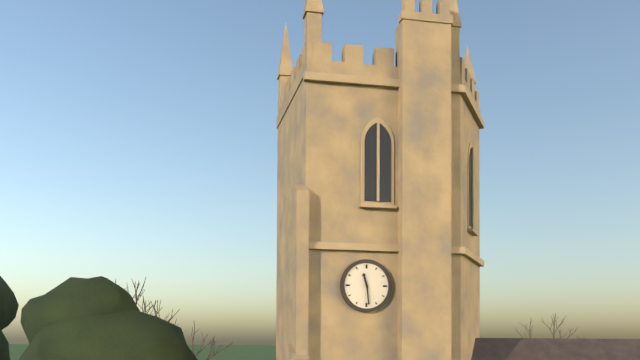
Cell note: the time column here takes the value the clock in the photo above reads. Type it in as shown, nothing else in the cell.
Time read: 11:29
